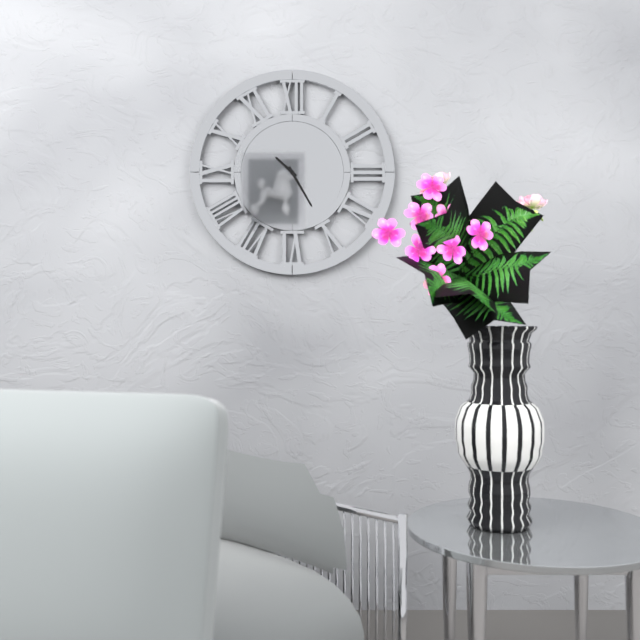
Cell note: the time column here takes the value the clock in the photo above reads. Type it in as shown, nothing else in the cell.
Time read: 10:25
